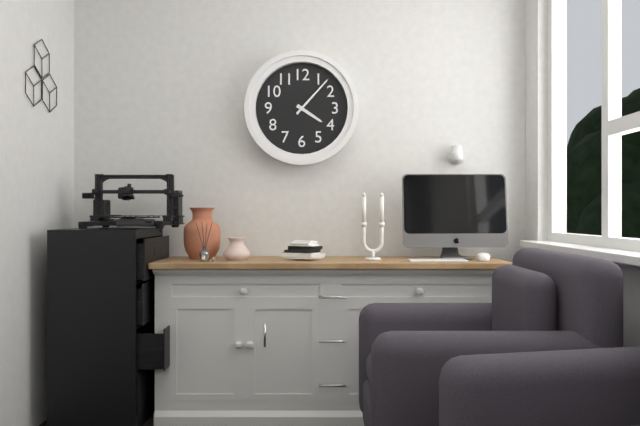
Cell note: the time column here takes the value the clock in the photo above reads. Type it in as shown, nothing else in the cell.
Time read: 4:07
